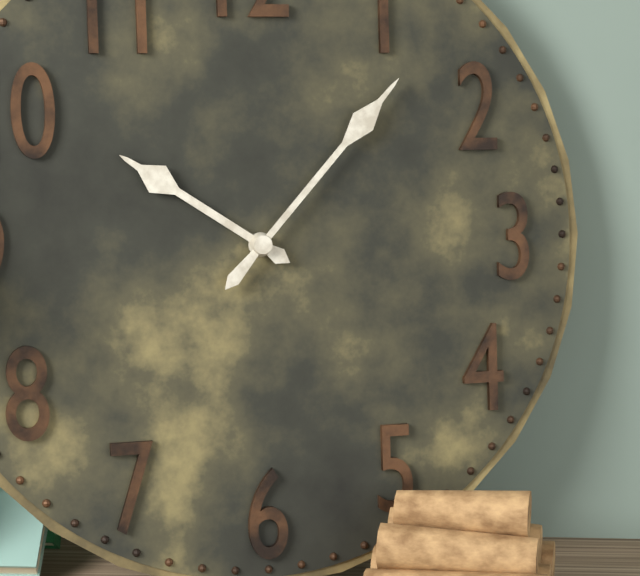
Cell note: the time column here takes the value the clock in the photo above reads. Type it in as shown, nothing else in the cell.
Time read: 10:07
